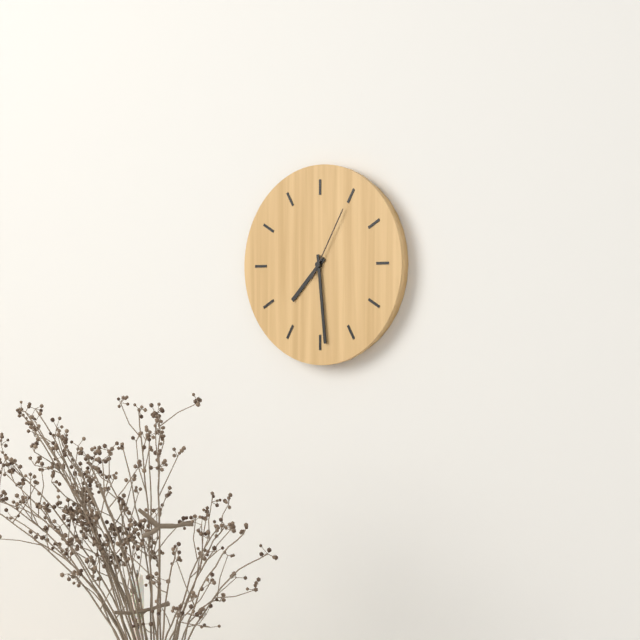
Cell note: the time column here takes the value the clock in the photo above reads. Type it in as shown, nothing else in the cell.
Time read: 7:29:05
